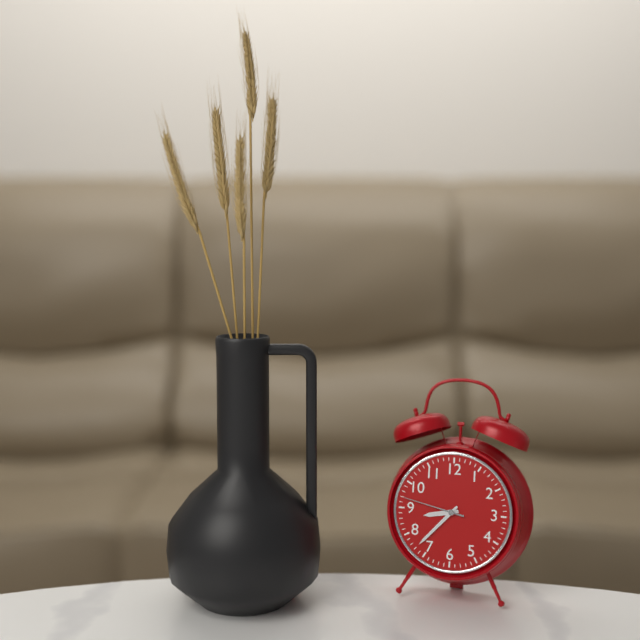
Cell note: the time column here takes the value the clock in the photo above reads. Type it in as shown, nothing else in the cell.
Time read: 8:37:47
